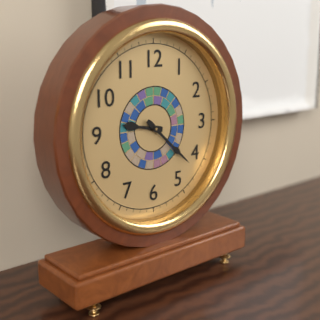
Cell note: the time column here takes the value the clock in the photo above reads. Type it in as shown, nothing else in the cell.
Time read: 9:22
